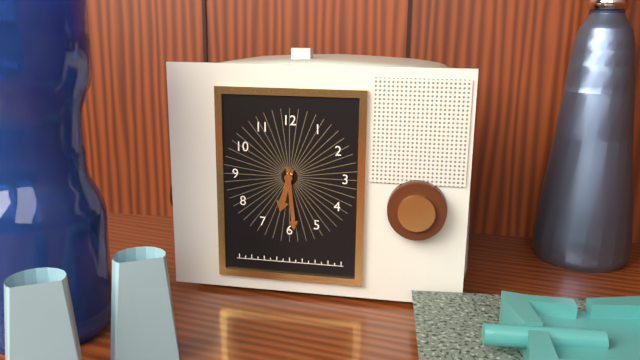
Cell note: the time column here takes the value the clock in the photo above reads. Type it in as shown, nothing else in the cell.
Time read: 6:29
